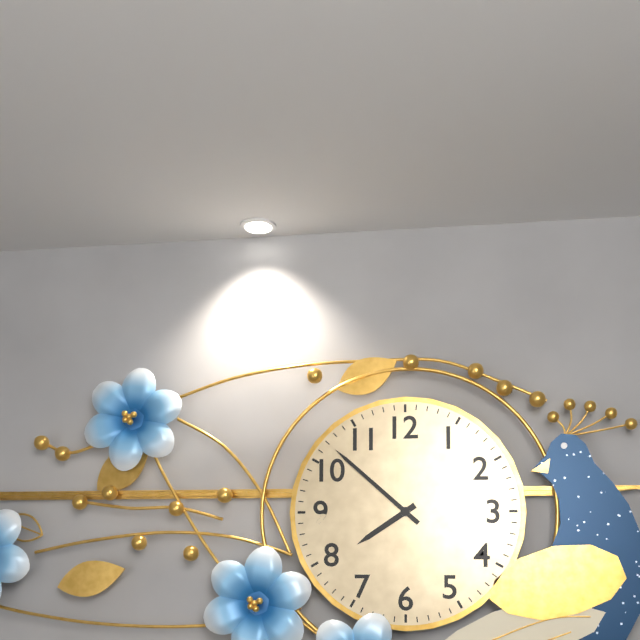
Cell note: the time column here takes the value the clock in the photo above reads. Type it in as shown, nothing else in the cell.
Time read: 7:52
